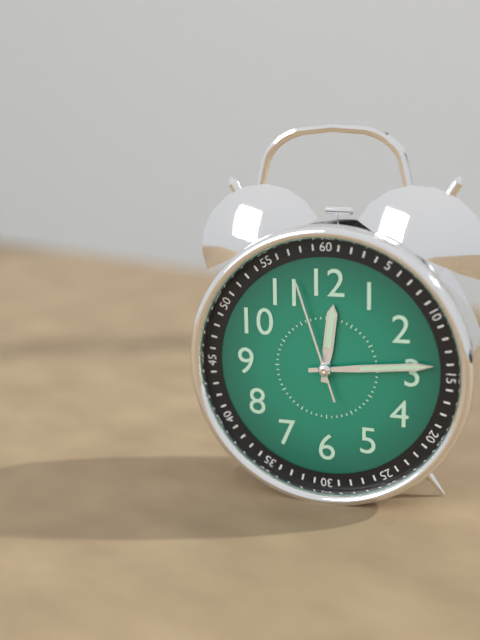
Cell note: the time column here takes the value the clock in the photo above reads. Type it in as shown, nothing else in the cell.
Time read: 12:14:57
